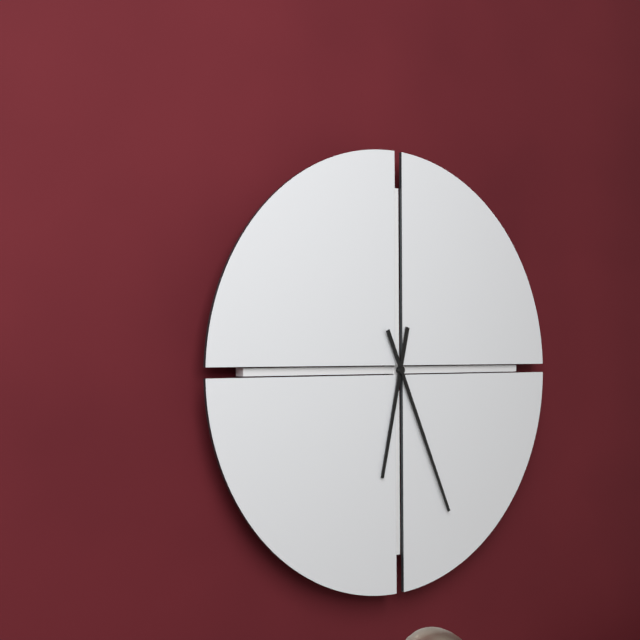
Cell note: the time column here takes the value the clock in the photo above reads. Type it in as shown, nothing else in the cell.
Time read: 6:26
